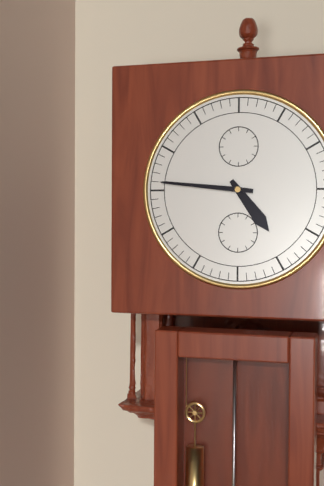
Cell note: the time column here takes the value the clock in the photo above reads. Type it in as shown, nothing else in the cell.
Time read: 4:46
